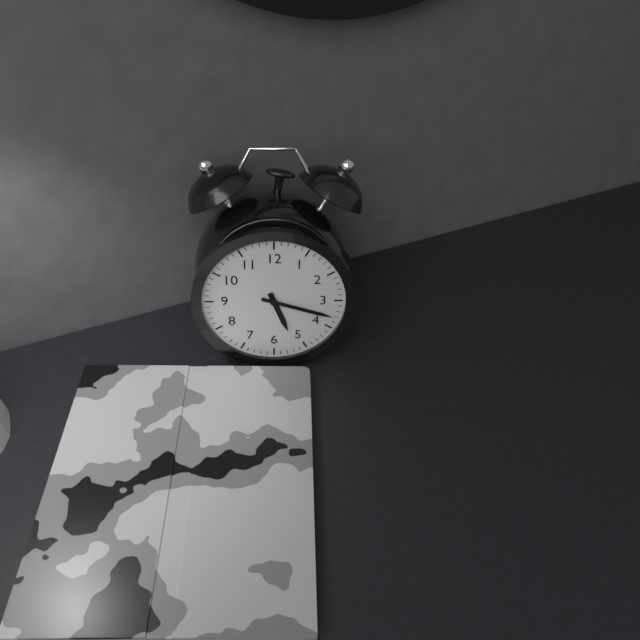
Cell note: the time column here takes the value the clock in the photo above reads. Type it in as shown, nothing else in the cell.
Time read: 5:18
